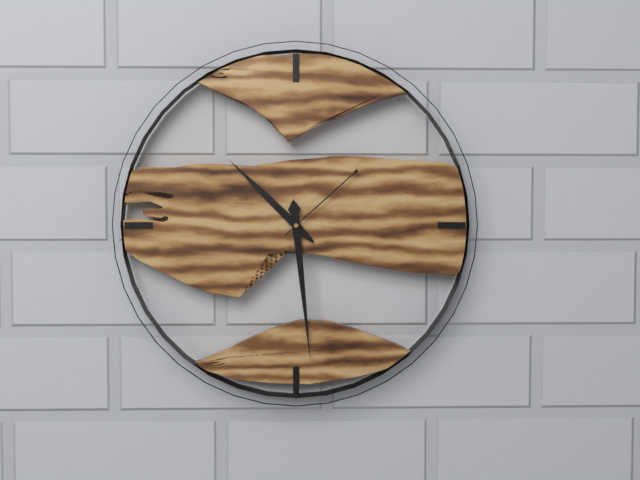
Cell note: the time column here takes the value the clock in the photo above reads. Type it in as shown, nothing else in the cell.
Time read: 10:29:08
